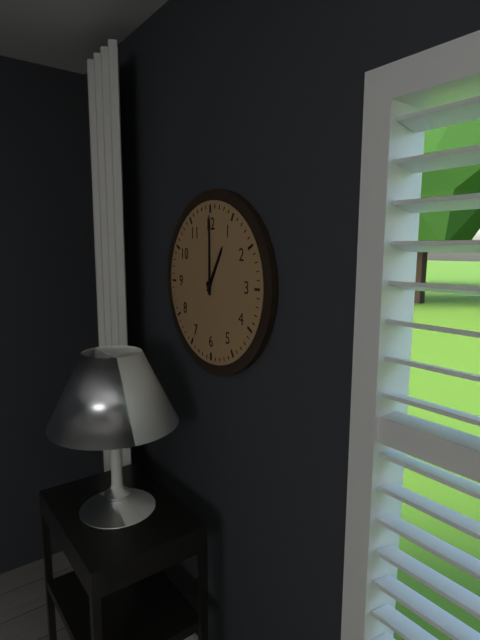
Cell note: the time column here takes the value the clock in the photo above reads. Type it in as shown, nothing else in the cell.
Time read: 1:00
